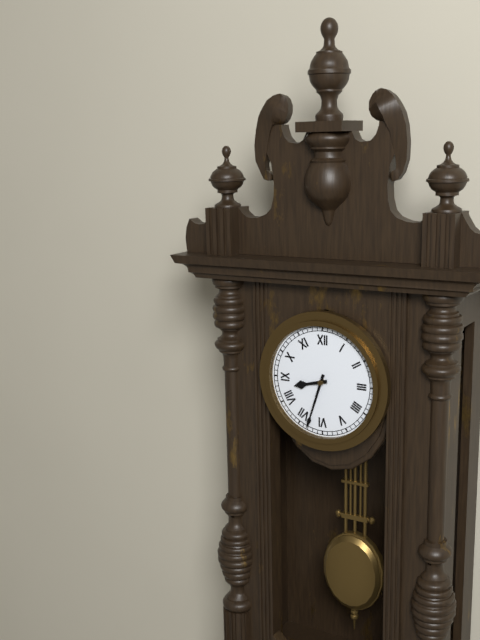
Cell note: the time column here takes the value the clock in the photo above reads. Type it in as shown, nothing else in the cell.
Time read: 8:33
